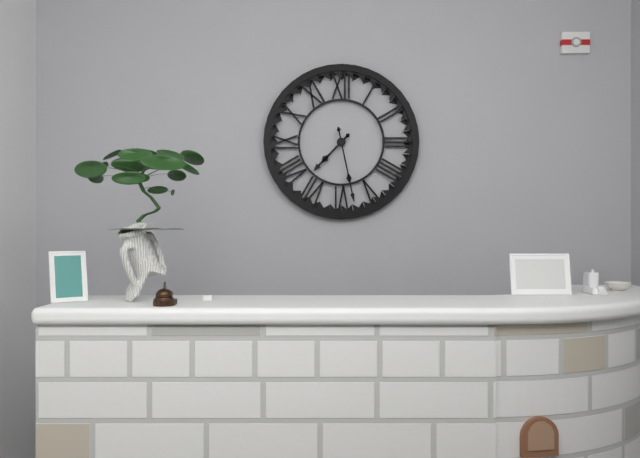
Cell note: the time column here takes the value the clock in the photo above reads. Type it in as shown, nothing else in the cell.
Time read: 7:28
